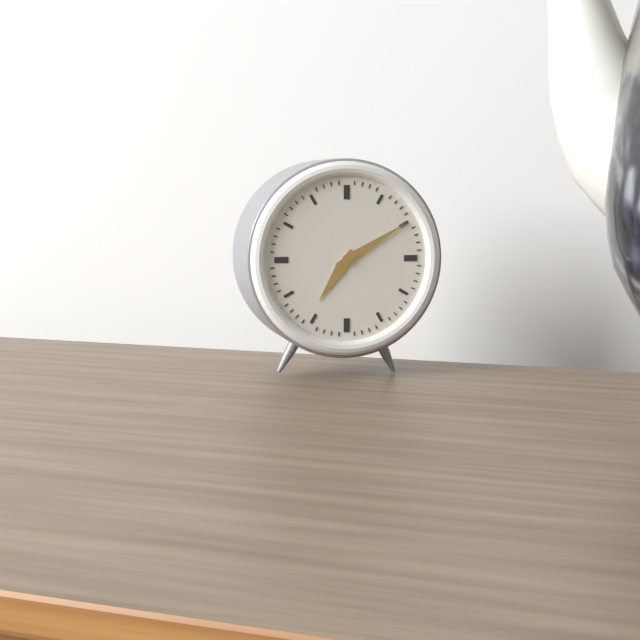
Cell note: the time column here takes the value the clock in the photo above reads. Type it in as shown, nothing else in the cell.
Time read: 7:10
